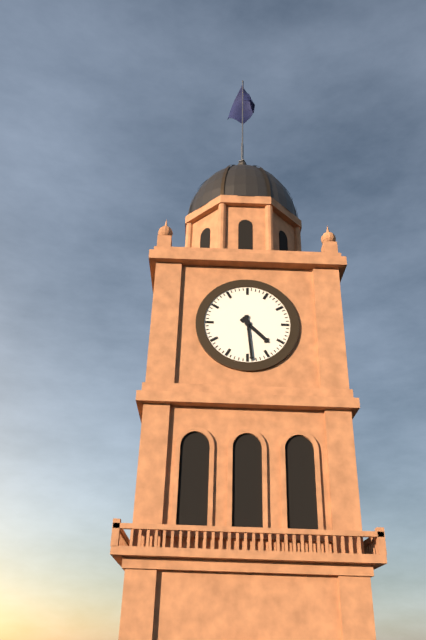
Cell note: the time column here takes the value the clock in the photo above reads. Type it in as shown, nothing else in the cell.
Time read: 4:29
